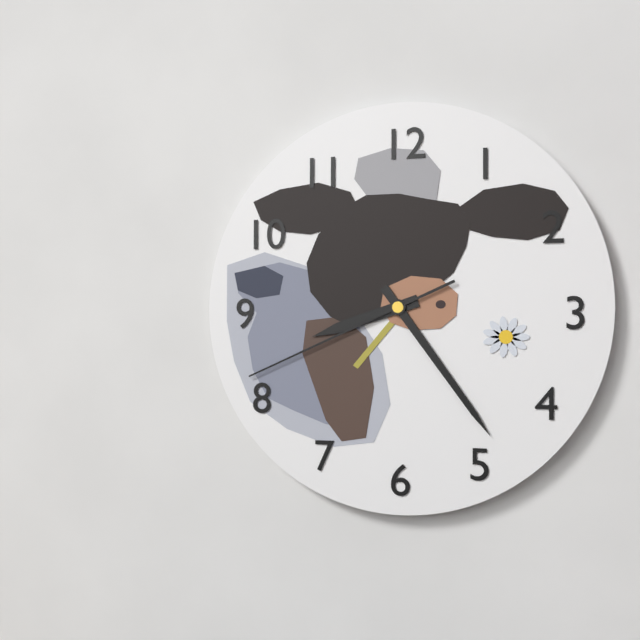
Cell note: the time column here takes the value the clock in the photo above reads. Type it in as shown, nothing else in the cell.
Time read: 8:24:41
